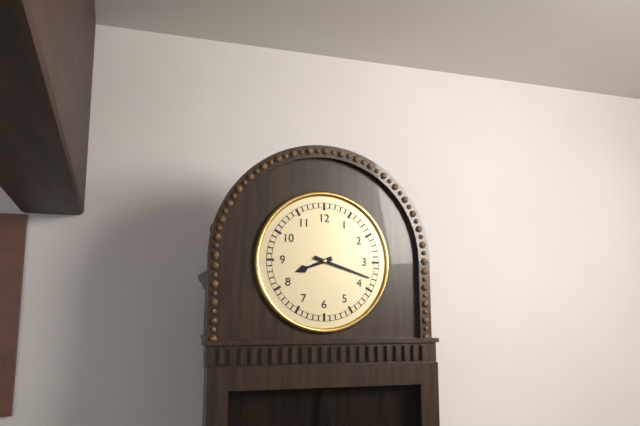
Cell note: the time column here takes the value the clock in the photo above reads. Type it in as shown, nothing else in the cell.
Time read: 8:18
